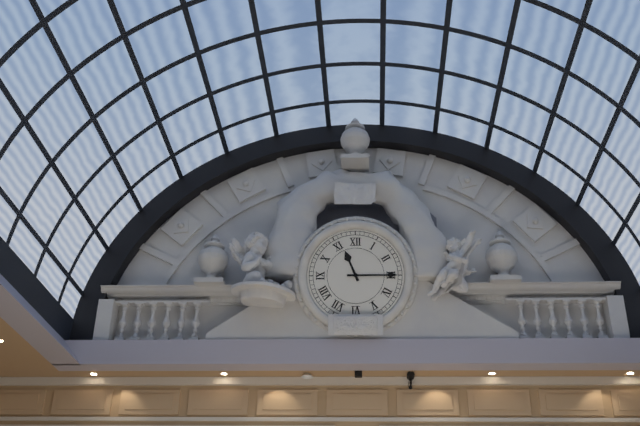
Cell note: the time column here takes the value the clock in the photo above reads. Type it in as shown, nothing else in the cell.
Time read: 11:15
